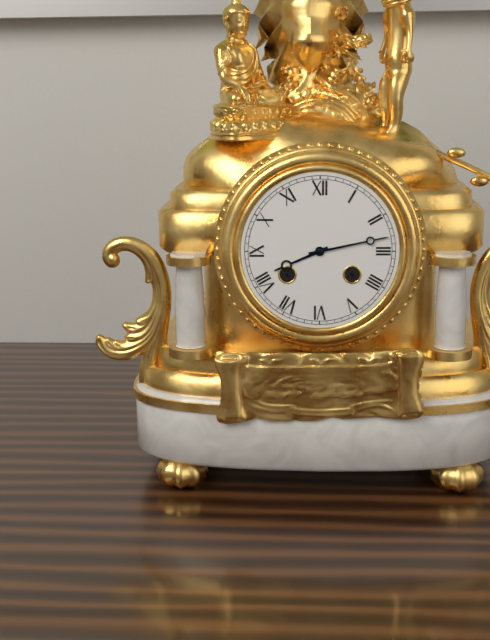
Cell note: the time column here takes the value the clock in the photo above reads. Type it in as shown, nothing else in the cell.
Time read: 8:13
